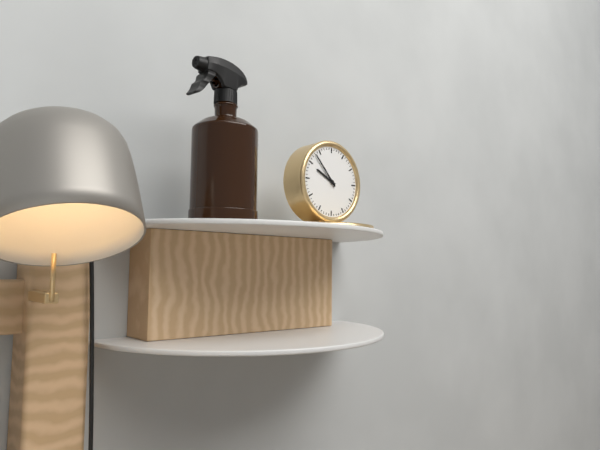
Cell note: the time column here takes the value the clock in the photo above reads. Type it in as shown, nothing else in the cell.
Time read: 9:53
